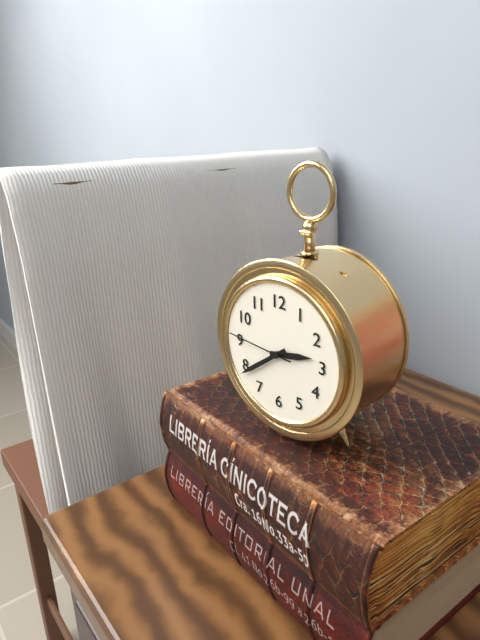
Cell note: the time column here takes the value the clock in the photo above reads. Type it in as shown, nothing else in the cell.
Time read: 2:39:46
